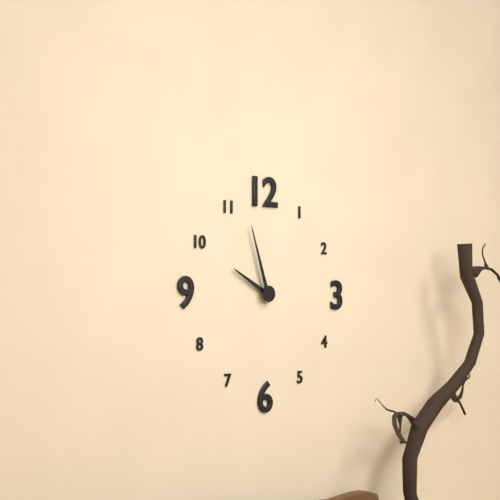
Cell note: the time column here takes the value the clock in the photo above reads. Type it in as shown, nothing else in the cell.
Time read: 9:57
